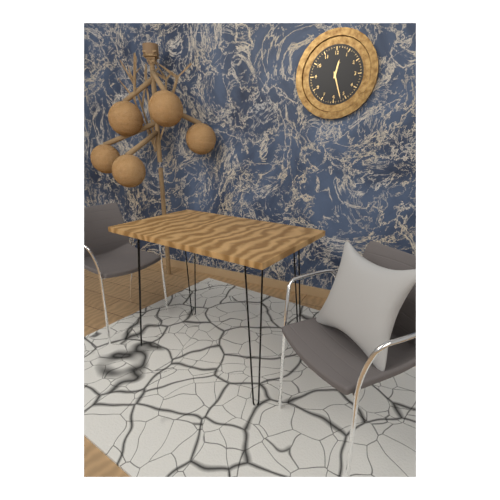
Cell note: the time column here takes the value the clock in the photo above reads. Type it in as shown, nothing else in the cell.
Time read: 12:27
